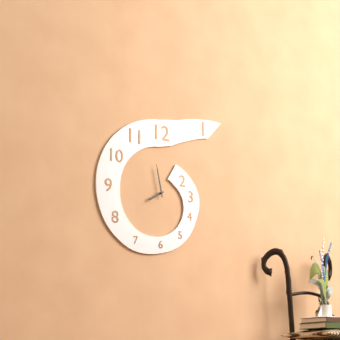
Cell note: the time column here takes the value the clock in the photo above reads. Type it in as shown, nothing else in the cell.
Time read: 7:58
